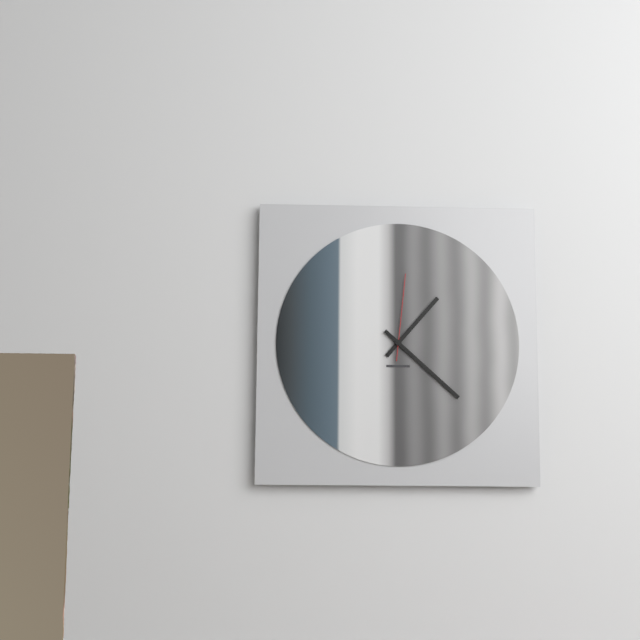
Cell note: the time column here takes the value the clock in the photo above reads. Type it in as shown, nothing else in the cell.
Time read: 1:22:01
